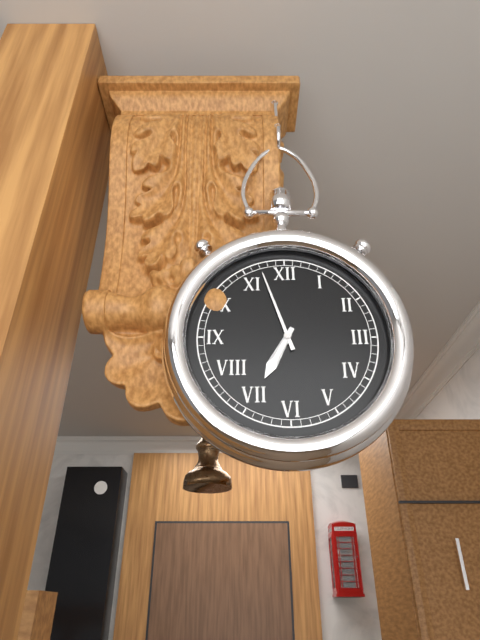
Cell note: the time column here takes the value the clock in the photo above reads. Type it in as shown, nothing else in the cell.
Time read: 6:57
